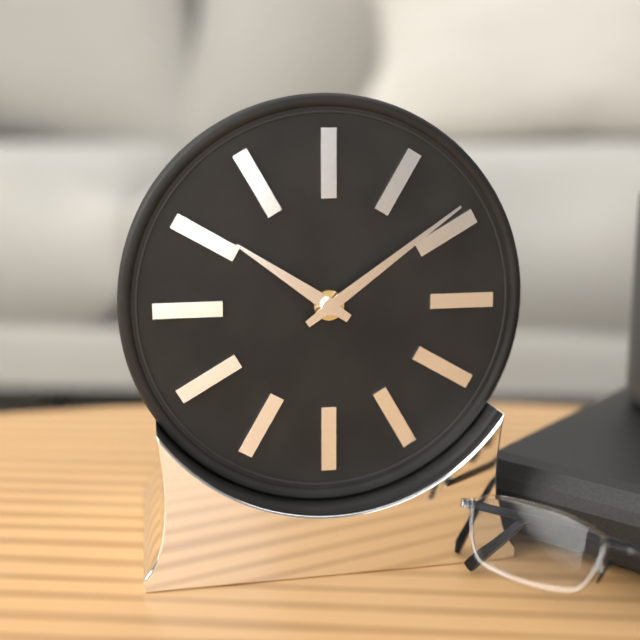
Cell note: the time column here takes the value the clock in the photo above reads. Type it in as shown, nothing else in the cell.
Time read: 10:09
